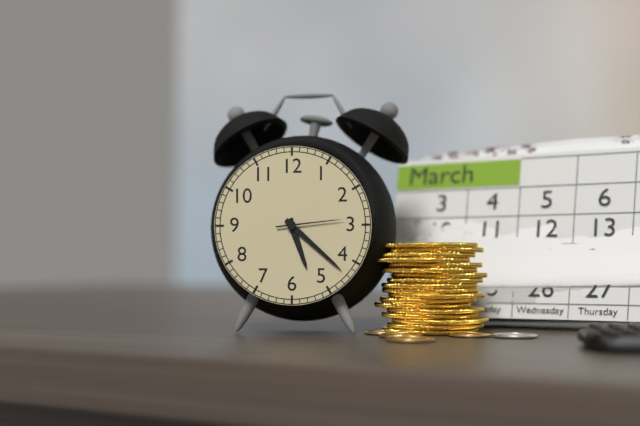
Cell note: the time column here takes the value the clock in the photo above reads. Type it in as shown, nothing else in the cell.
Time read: 5:22:14
